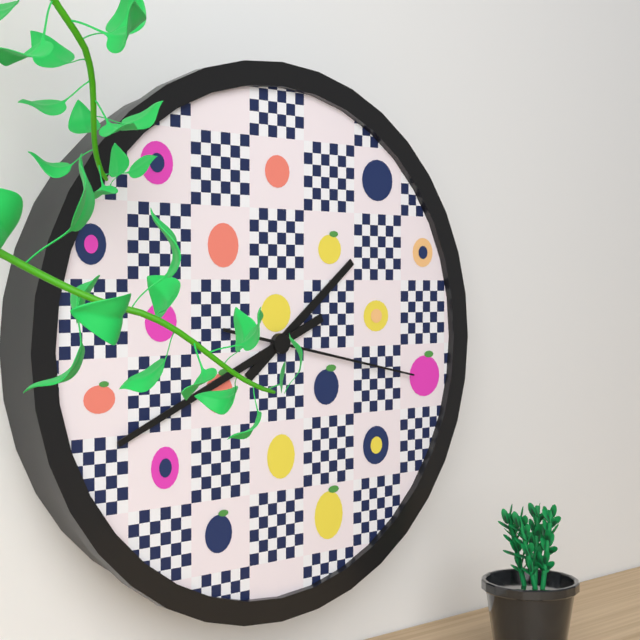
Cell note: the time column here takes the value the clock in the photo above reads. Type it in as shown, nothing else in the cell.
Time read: 1:41:17
